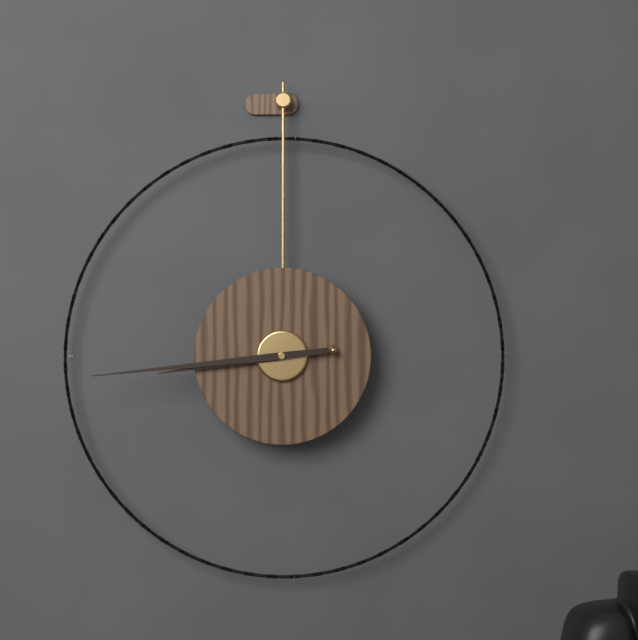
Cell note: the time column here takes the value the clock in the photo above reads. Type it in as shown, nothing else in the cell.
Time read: 8:44
